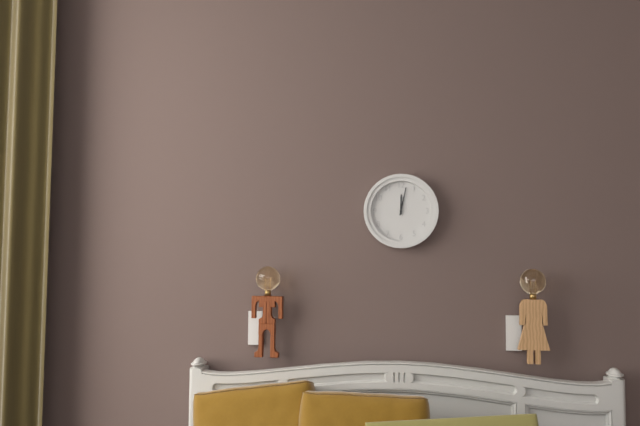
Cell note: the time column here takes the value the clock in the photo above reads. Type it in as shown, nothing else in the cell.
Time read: 12:02
